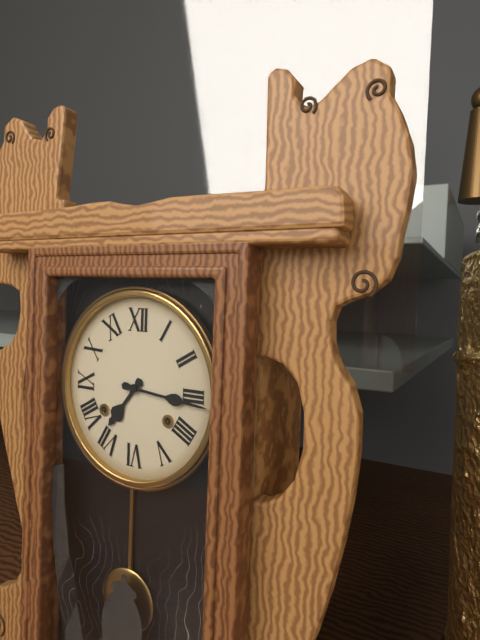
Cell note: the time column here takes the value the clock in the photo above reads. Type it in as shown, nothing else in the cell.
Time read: 7:16
